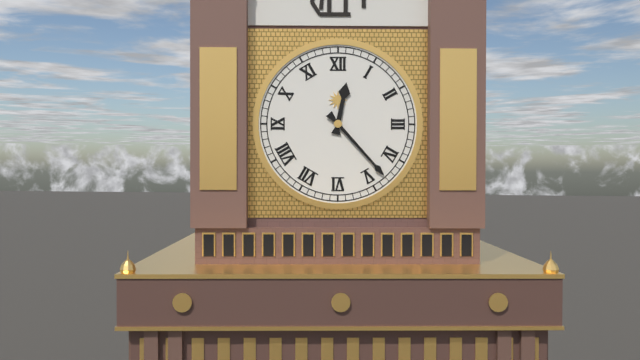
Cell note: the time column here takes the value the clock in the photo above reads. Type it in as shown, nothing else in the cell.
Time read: 12:23
